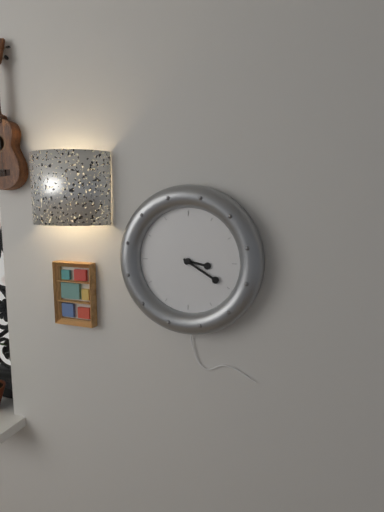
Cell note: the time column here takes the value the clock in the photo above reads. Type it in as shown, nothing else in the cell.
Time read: 3:20
